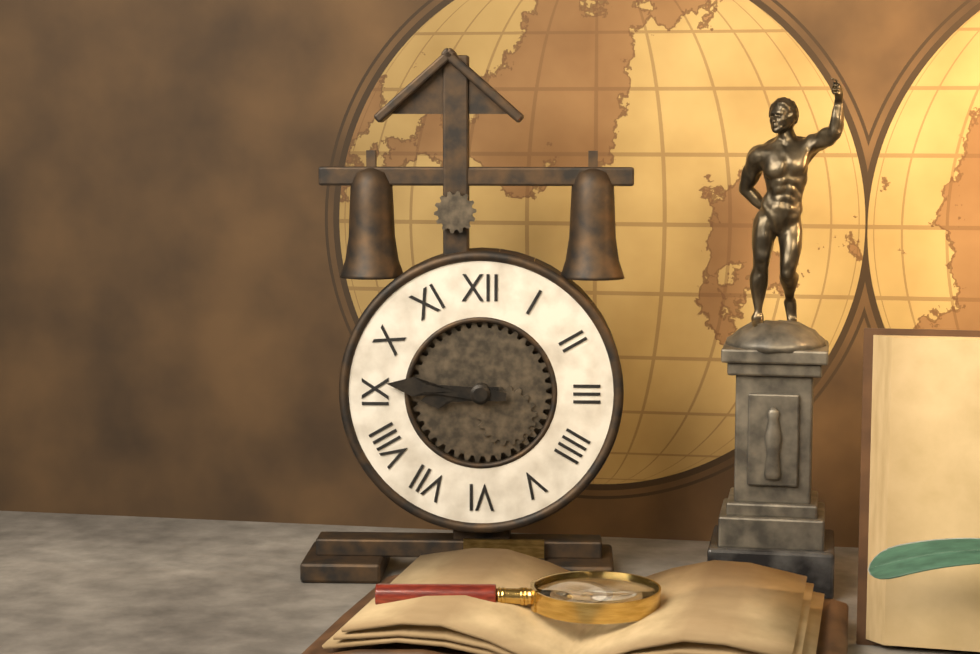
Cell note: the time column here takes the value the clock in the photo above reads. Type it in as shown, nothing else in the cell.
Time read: 8:46
